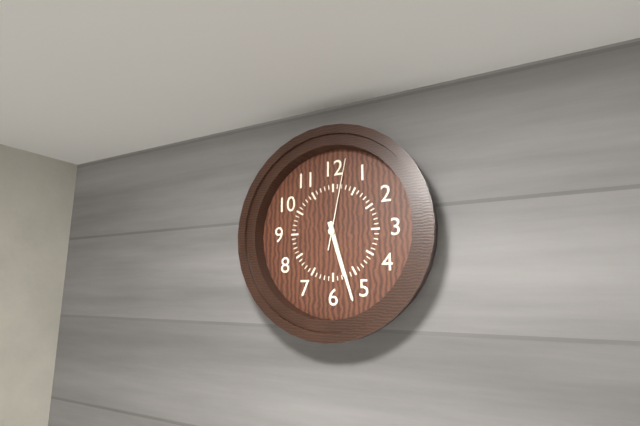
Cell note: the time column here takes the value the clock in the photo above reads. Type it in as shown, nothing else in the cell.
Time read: 5:27:02
